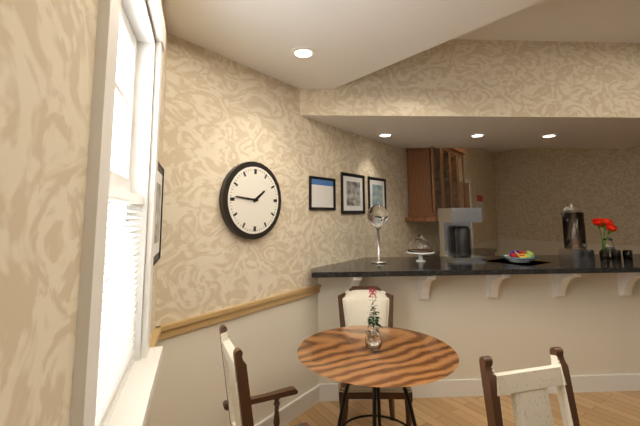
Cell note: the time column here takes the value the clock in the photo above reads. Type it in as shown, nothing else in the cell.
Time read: 1:46
